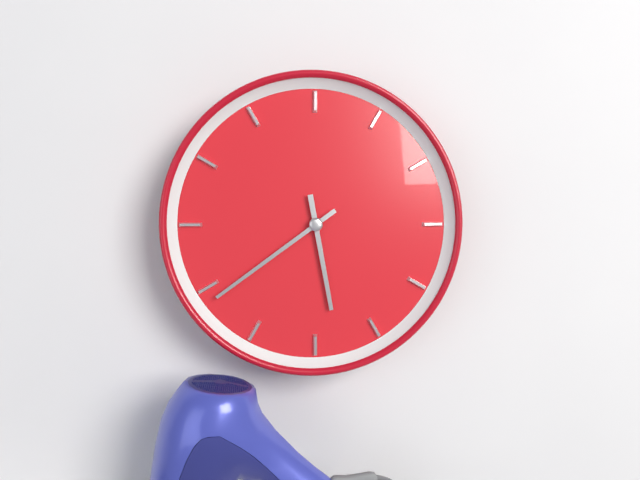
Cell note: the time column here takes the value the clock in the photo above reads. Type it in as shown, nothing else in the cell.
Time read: 5:39
